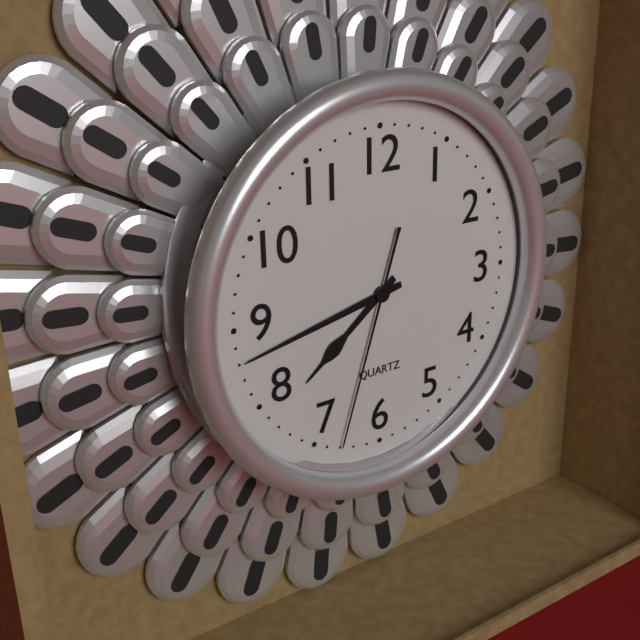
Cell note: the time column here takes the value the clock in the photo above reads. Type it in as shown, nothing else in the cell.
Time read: 7:43:33
